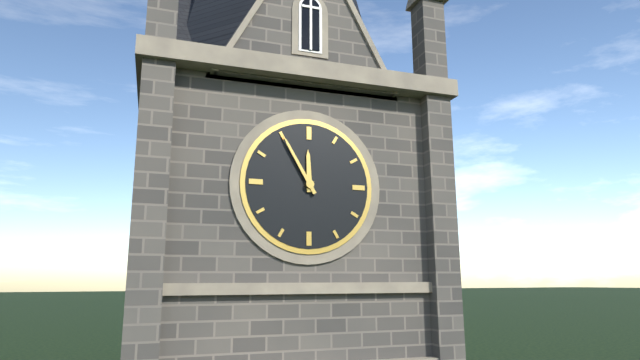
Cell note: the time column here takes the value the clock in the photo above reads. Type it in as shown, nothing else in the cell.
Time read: 11:55
